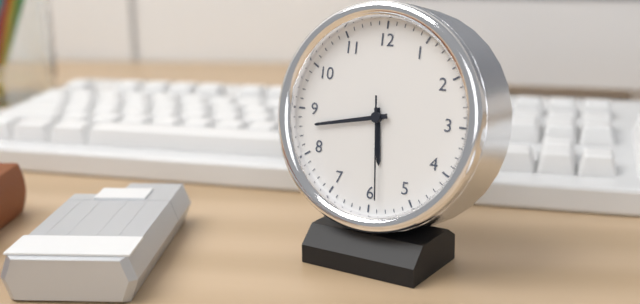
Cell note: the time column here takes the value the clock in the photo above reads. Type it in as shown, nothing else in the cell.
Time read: 5:43:29
